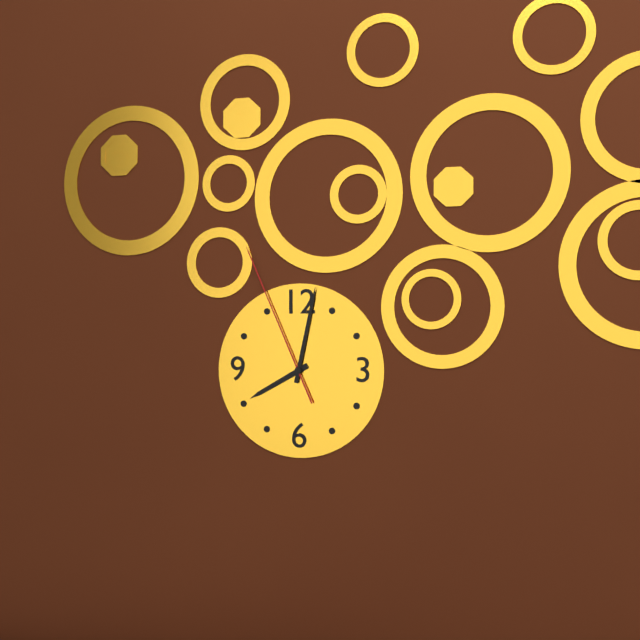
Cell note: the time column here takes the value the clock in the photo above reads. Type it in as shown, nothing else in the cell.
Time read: 8:02:56
